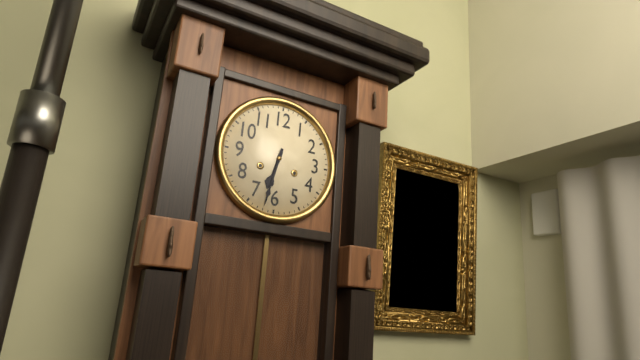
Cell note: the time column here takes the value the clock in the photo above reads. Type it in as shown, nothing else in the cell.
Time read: 6:32
